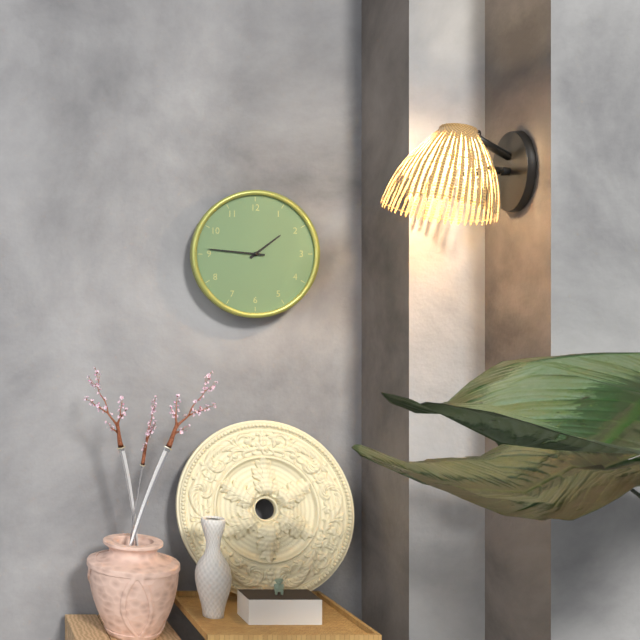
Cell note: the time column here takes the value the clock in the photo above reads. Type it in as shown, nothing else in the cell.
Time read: 1:46
